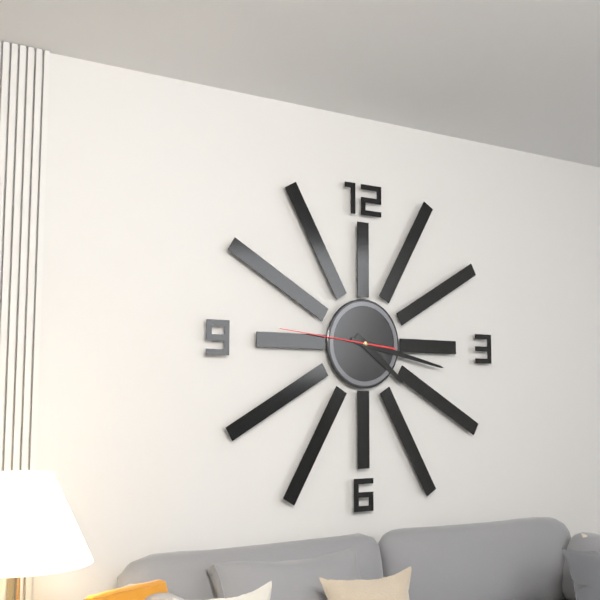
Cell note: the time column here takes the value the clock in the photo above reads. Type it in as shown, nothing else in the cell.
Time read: 4:17:46
